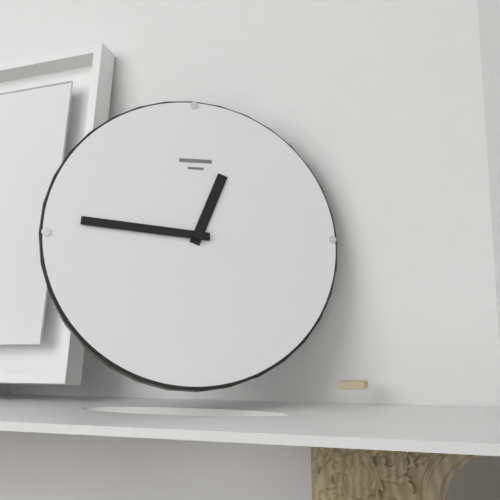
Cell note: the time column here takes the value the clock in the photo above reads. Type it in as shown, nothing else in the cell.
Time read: 12:46
